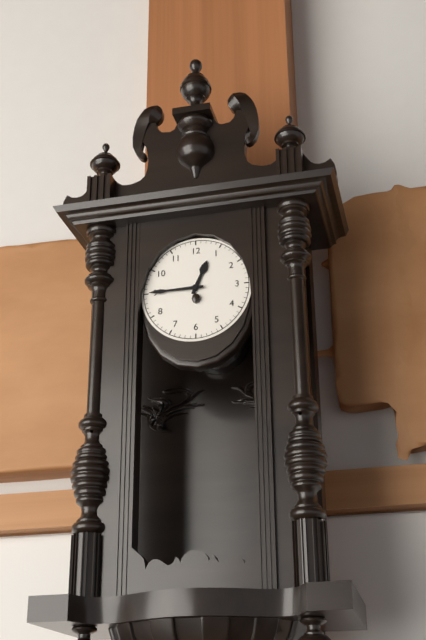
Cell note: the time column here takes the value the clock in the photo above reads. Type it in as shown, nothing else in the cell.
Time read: 12:45
